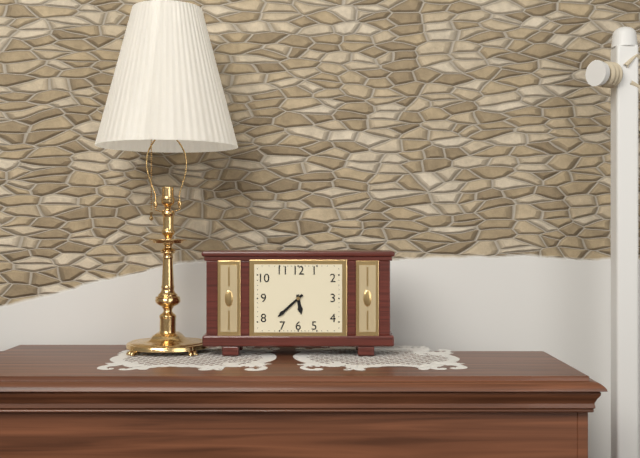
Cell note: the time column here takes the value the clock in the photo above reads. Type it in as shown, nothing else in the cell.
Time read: 5:38
